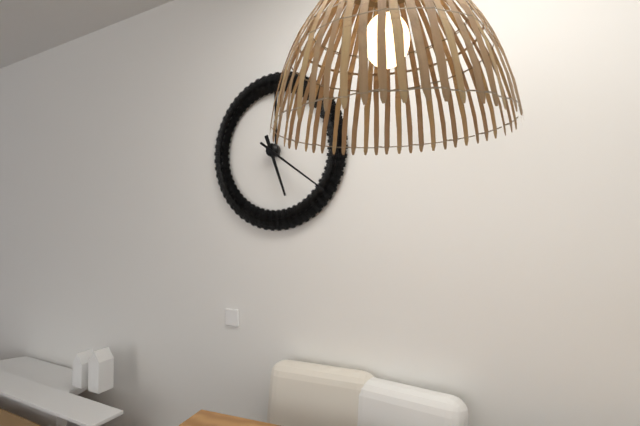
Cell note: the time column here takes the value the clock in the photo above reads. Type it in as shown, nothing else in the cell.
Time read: 5:21
